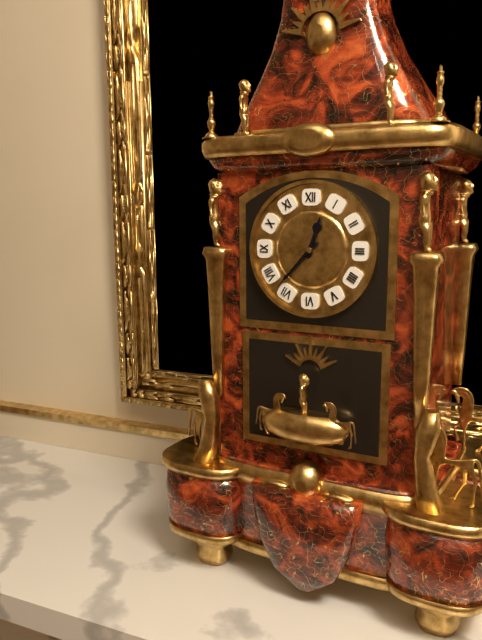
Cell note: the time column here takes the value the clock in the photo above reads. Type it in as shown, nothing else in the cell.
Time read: 12:37
